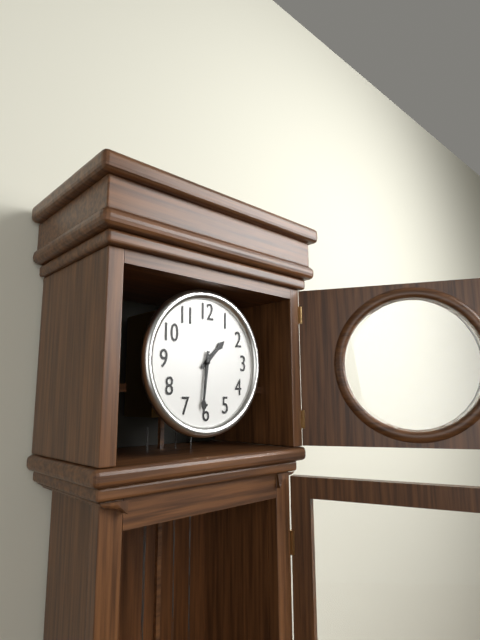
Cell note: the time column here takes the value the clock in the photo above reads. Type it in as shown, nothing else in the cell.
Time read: 1:31
